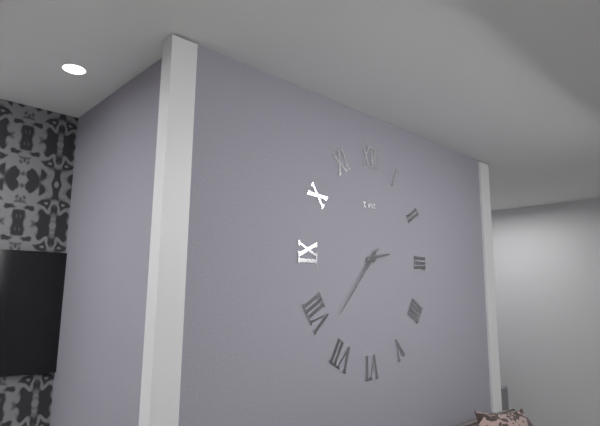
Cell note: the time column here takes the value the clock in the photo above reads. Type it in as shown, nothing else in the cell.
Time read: 2:37
